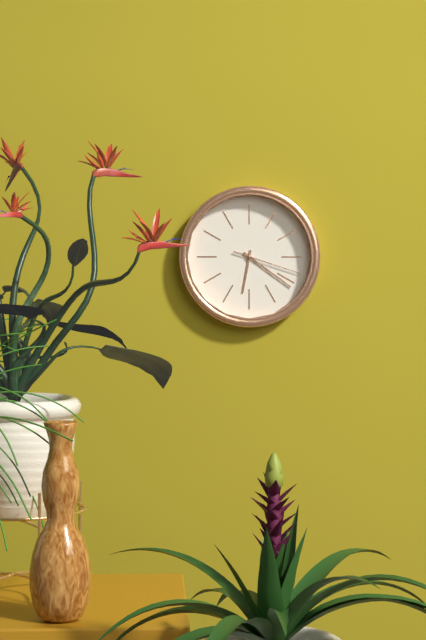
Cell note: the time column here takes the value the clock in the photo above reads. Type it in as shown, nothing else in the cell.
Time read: 6:21:18
